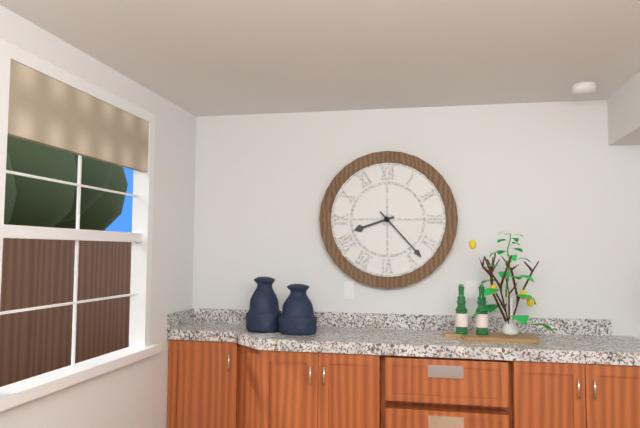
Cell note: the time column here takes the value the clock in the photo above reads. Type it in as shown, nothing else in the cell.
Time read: 8:23
